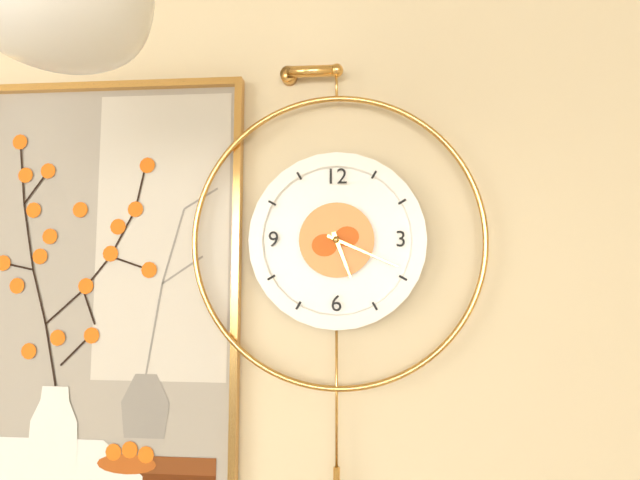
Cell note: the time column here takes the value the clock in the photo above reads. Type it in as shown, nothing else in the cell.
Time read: 5:19
